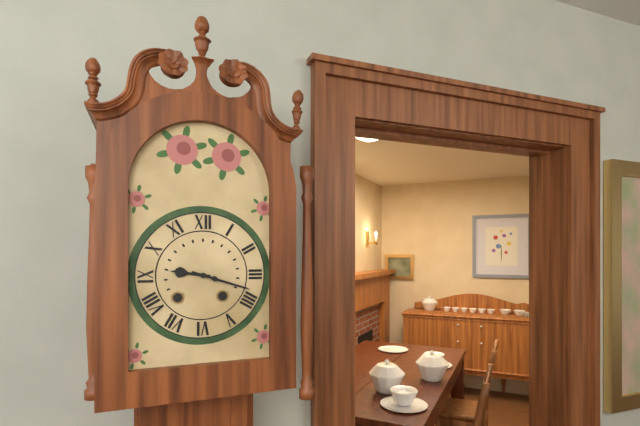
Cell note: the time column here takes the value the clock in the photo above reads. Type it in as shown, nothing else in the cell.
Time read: 9:18
